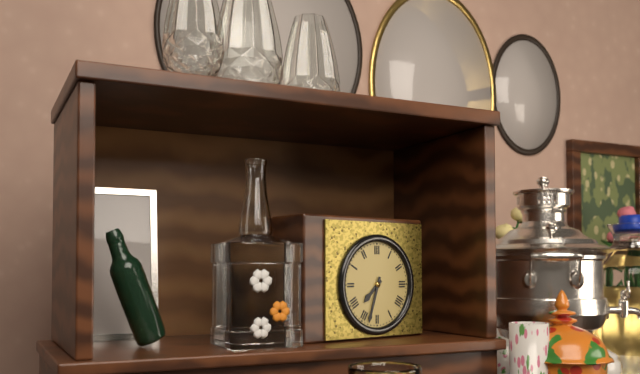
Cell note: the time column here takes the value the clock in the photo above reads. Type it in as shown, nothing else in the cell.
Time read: 7:33
